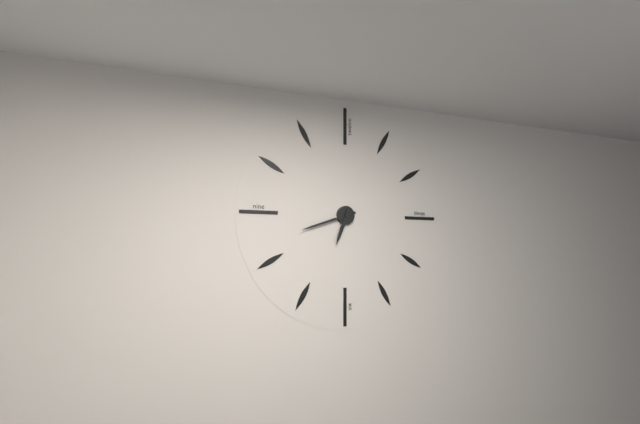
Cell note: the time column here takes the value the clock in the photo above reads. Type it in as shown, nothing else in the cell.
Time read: 6:42
